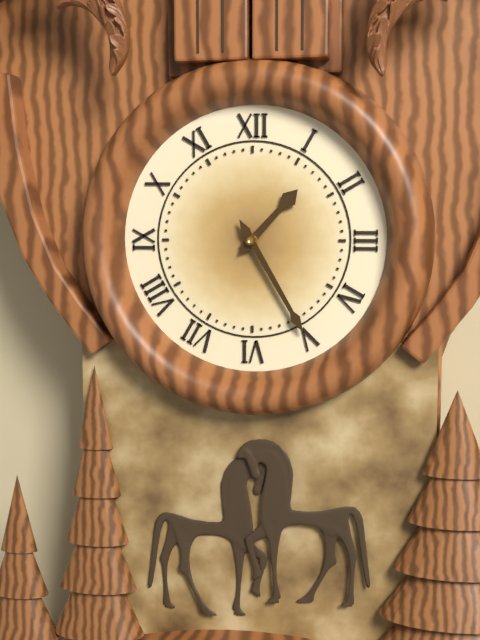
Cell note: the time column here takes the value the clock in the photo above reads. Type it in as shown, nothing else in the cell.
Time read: 1:25
